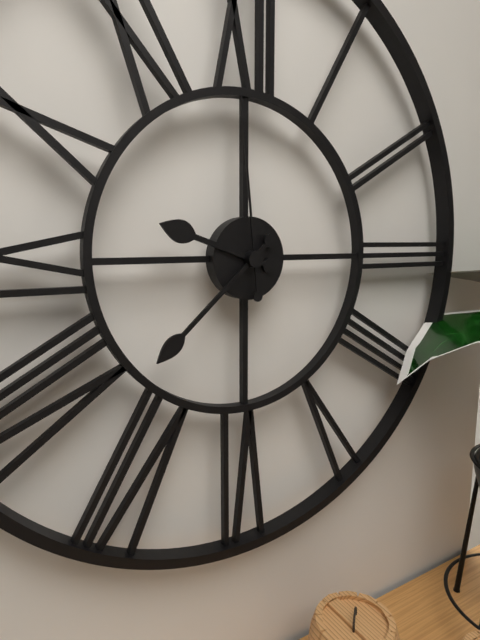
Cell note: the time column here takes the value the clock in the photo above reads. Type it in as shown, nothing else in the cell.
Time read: 9:38:59
